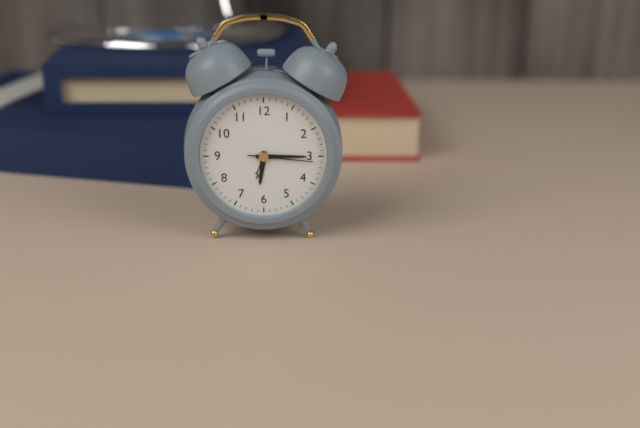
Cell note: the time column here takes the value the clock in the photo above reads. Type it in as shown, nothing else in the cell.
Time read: 6:15:16
